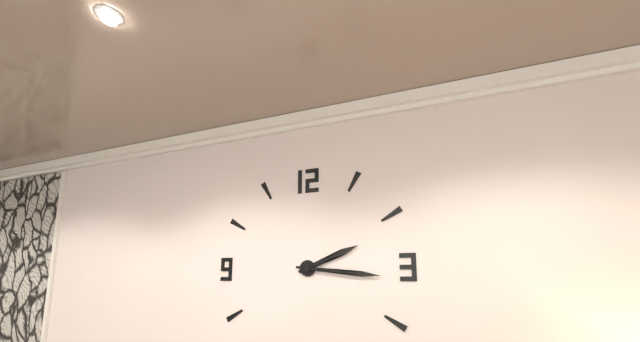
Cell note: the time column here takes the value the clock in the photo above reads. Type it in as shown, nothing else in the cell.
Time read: 2:16
